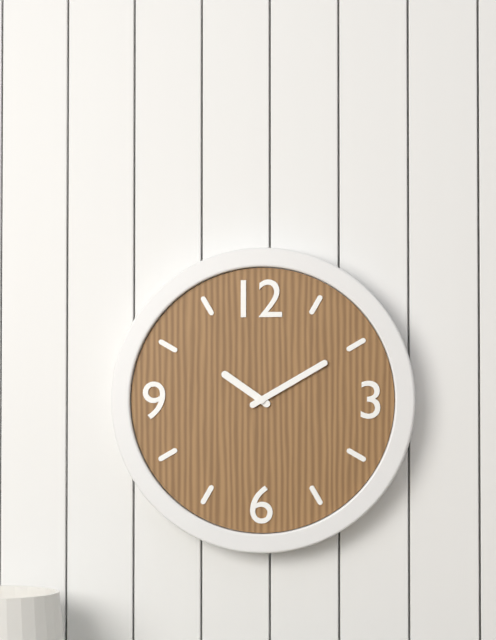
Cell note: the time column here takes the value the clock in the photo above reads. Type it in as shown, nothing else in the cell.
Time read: 10:10
